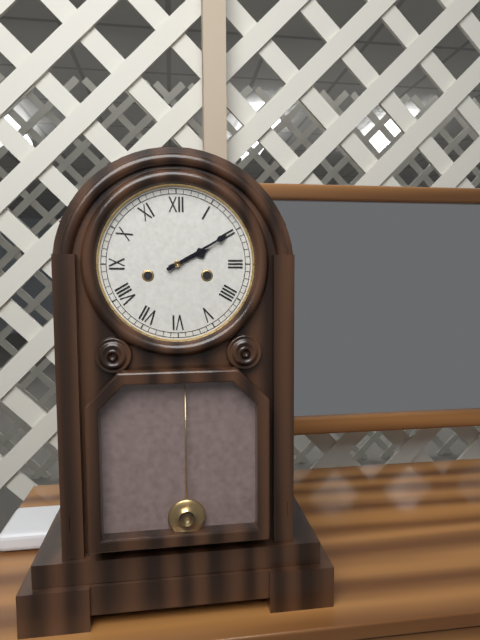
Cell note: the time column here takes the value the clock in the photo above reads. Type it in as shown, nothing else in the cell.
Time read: 2:10
